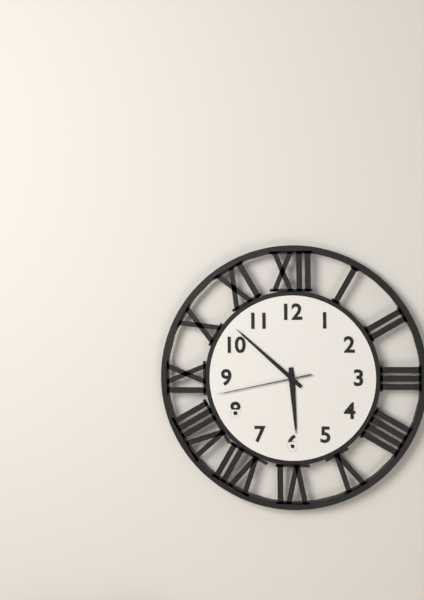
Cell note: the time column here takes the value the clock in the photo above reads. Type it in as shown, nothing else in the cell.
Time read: 5:52:43
